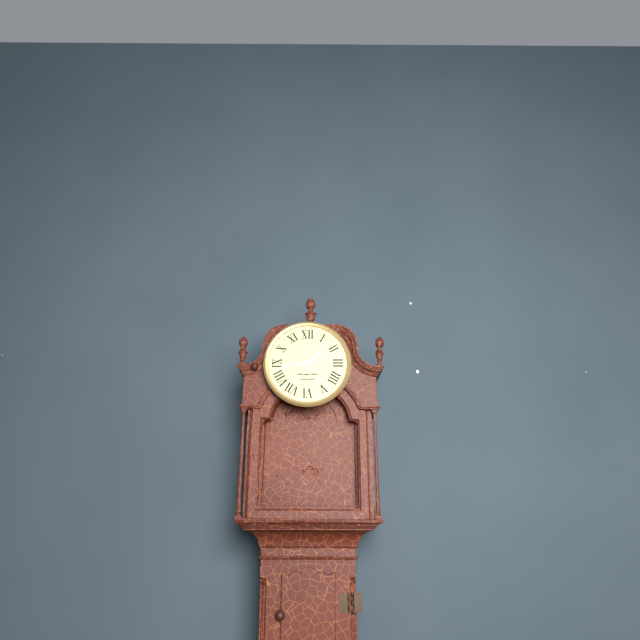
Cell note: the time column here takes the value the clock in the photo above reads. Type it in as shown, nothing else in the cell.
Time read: 1:43
